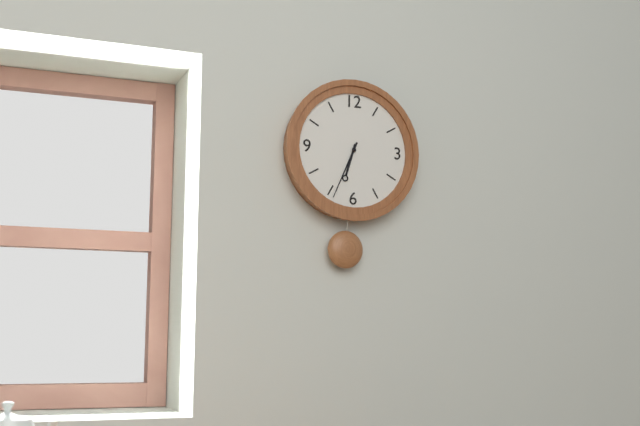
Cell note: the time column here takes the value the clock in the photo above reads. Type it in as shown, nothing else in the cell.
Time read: 6:34
